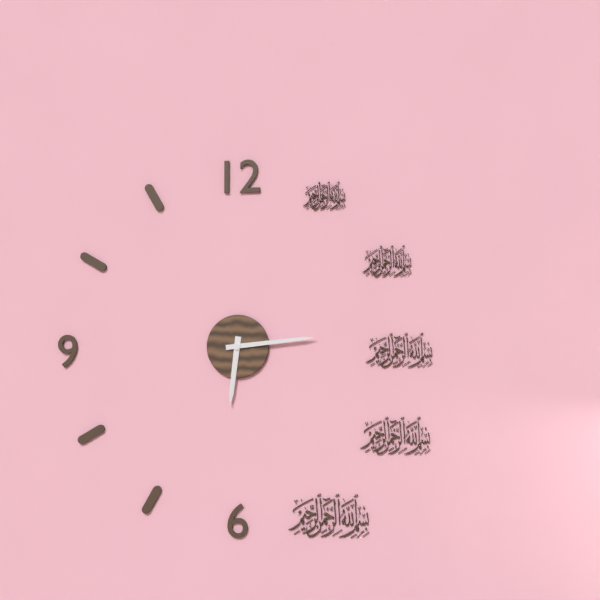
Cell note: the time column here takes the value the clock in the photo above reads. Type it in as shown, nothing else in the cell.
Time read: 6:14
